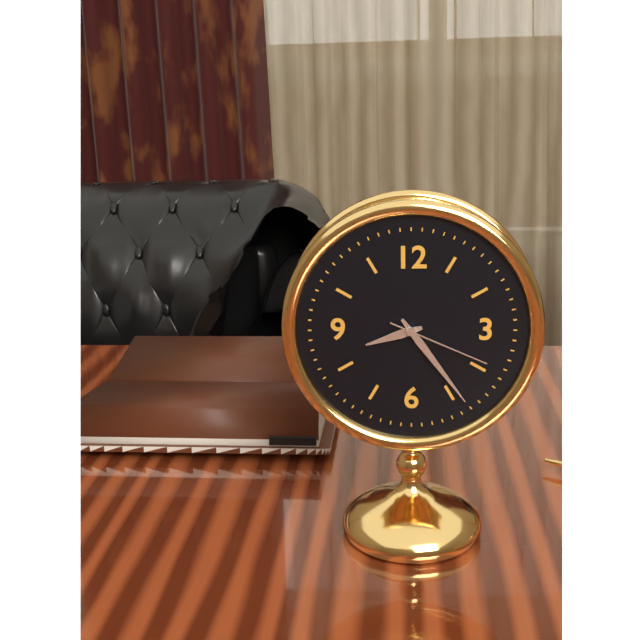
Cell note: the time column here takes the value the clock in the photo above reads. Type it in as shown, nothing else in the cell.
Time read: 8:24:19
